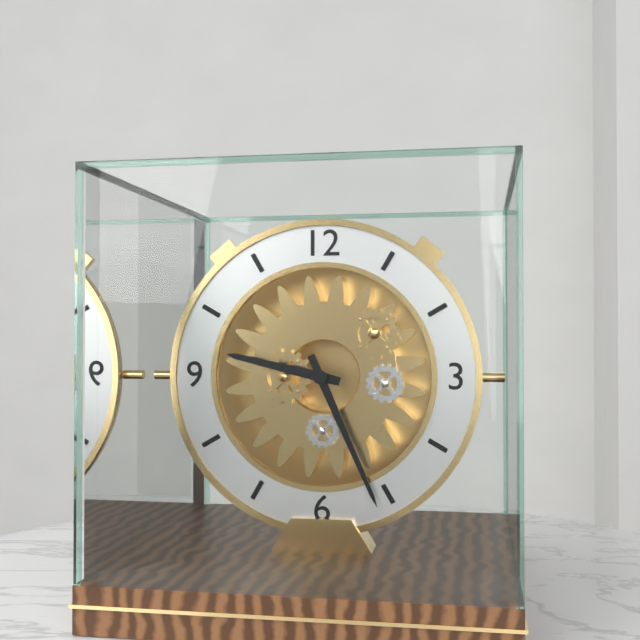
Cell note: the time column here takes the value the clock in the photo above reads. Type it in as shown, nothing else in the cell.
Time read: 9:26
